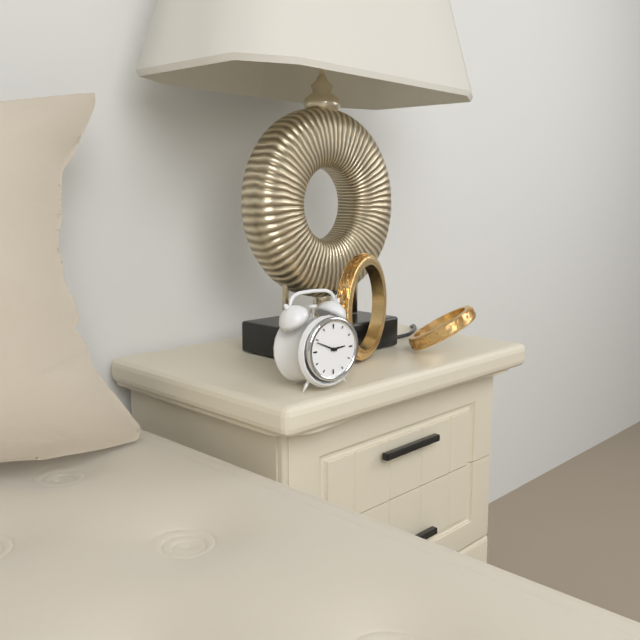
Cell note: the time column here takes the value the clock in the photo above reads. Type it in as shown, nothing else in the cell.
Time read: 2:49
